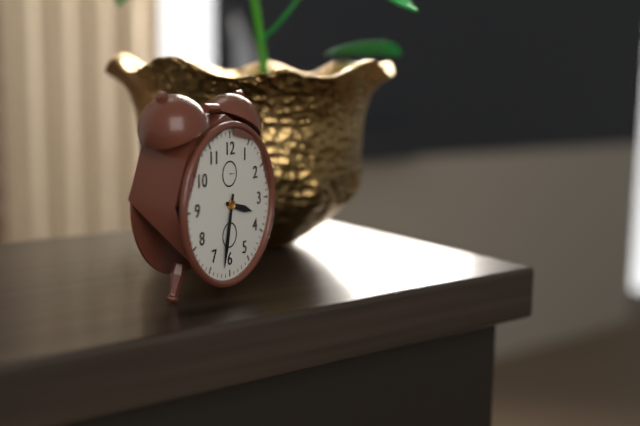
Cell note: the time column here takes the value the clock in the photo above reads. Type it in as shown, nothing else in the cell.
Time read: 3:32
